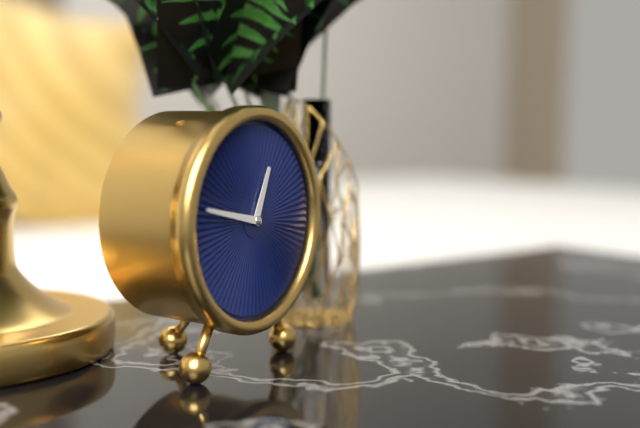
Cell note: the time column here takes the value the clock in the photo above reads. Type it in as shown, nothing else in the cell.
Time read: 12:47
